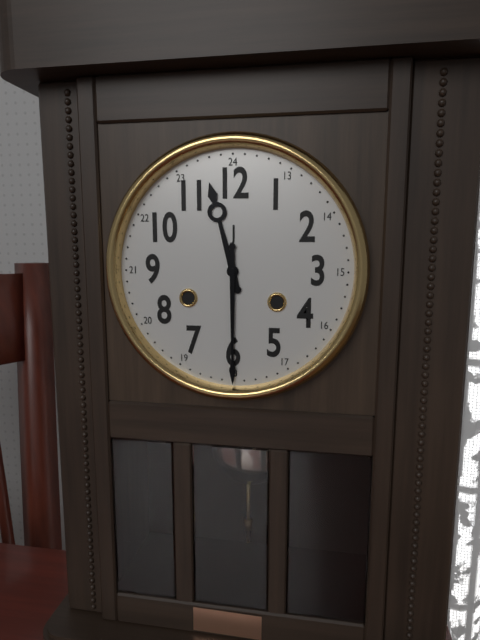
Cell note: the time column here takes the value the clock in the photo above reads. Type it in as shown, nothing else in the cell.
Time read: 11:30
